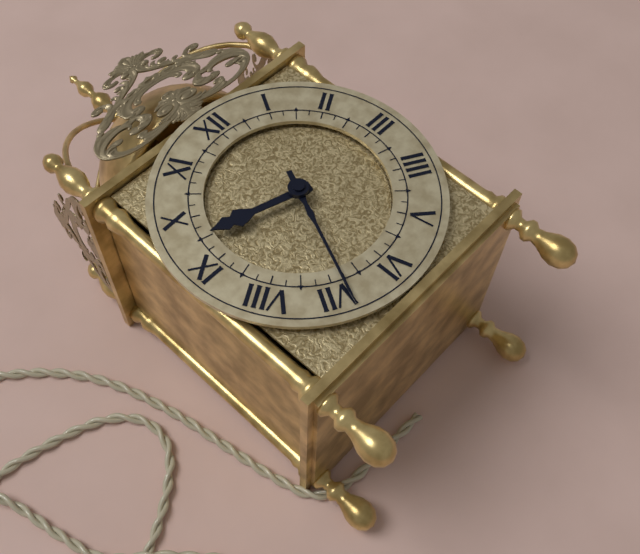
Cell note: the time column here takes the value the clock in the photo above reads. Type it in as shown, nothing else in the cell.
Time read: 9:34
